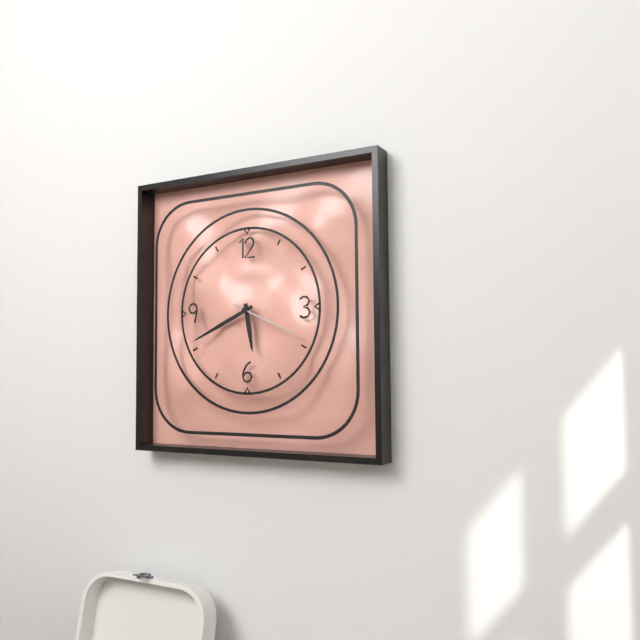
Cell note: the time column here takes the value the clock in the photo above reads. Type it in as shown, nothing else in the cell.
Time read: 5:41:19
